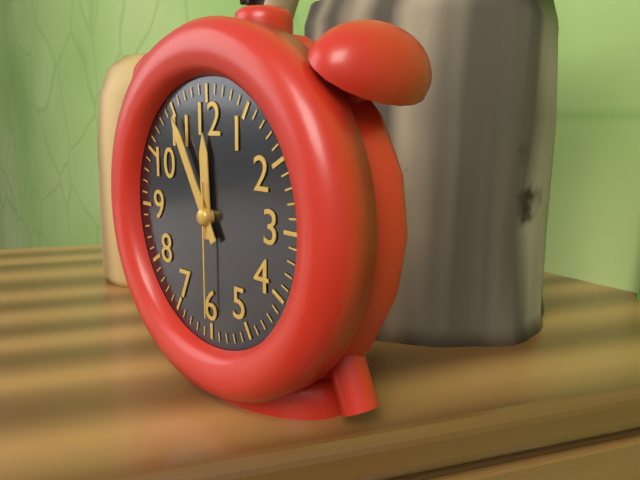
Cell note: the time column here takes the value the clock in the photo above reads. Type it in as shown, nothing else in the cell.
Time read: 11:55:30
